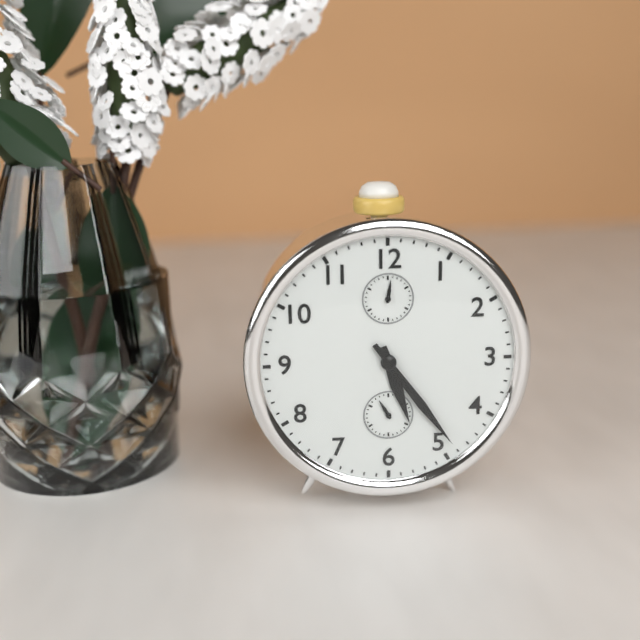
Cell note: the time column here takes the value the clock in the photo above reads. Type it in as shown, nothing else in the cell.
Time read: 5:24
